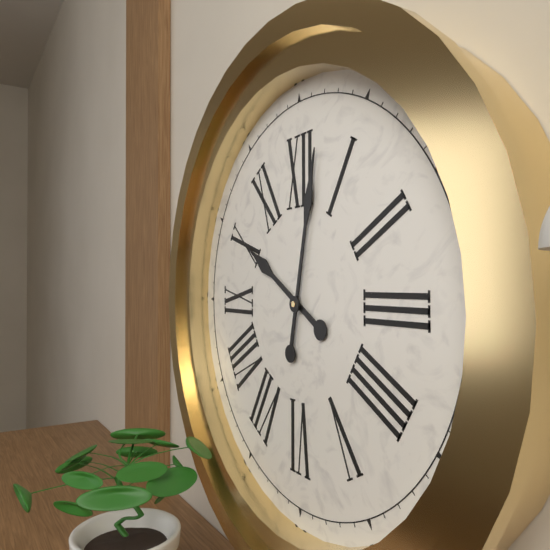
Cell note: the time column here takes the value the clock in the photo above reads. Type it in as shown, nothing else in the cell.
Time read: 10:02
